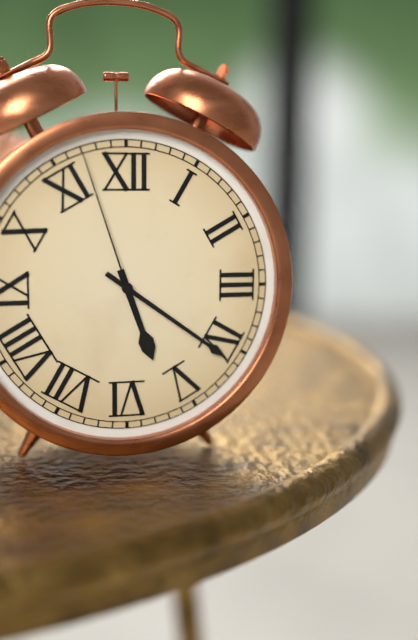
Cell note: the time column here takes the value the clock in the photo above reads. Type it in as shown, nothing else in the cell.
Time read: 5:21:57
